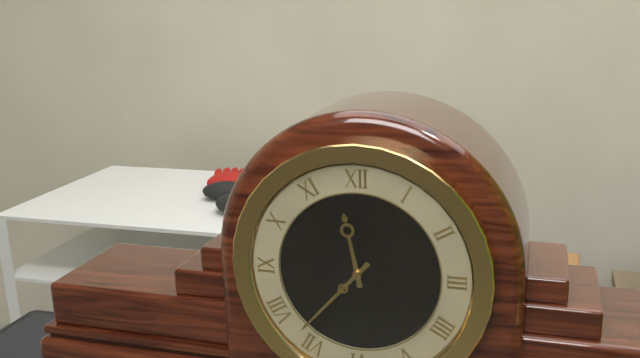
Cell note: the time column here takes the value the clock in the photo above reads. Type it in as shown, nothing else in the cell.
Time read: 11:37
